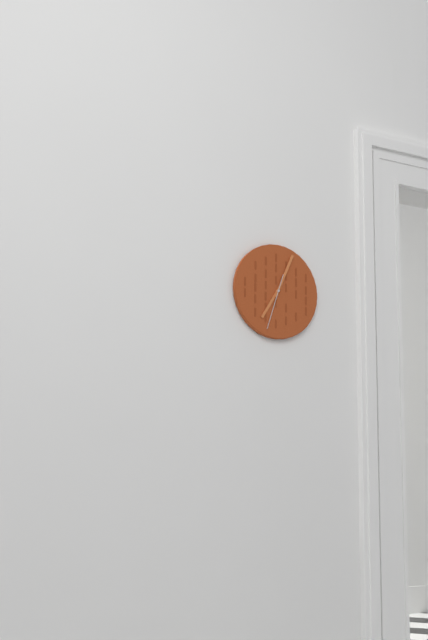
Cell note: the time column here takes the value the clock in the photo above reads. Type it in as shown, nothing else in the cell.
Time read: 7:04
